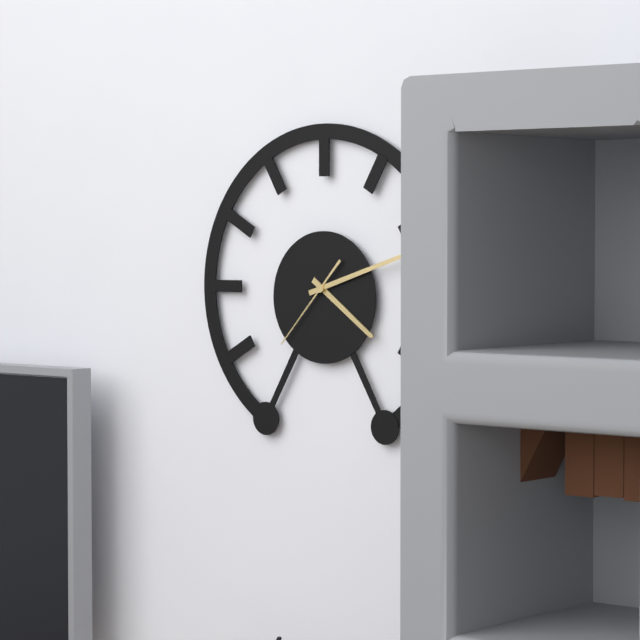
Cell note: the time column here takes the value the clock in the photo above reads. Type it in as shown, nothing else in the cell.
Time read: 4:12:37
